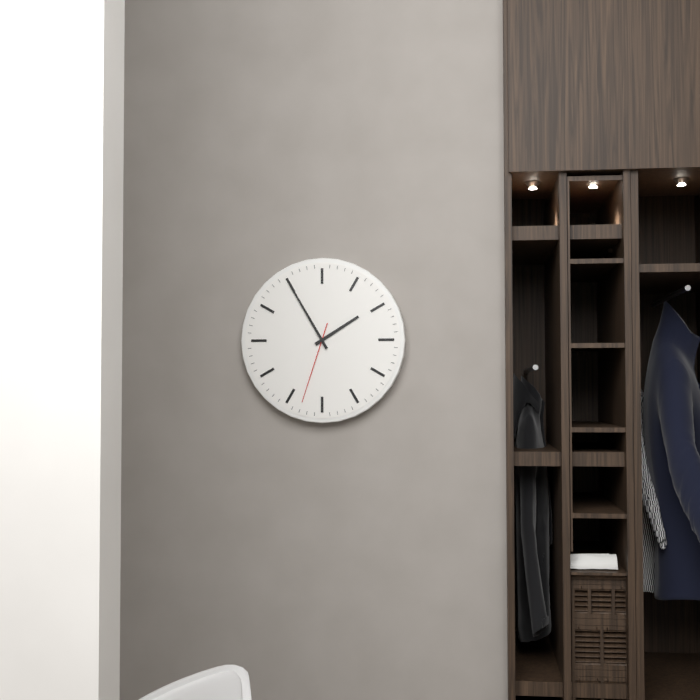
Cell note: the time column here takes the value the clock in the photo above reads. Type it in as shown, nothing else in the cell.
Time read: 1:55:33
